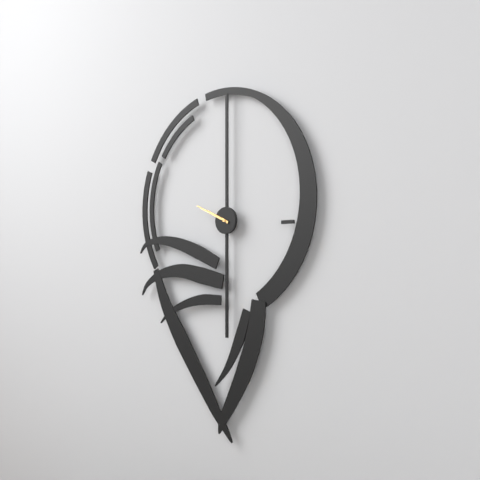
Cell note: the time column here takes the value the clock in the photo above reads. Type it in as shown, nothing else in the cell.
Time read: 9:49
